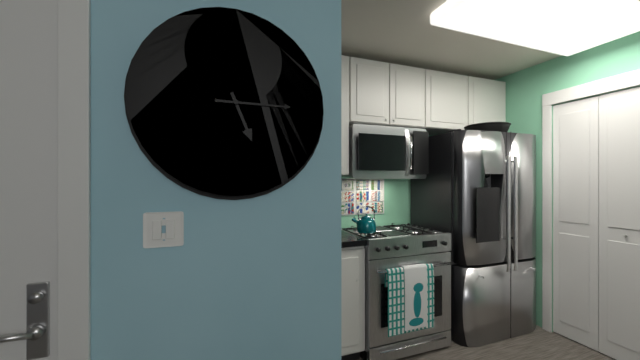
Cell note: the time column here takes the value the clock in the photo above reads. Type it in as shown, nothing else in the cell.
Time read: 5:15
